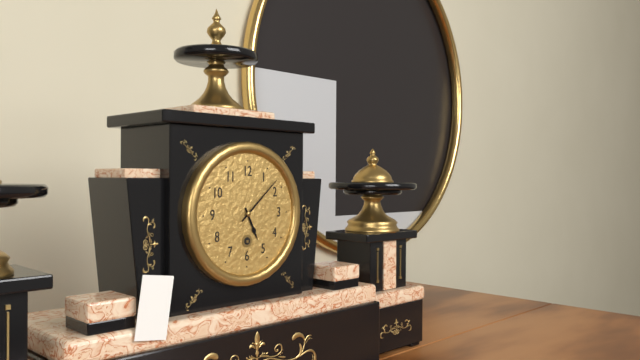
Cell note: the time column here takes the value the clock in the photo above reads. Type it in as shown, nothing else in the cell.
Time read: 5:08
